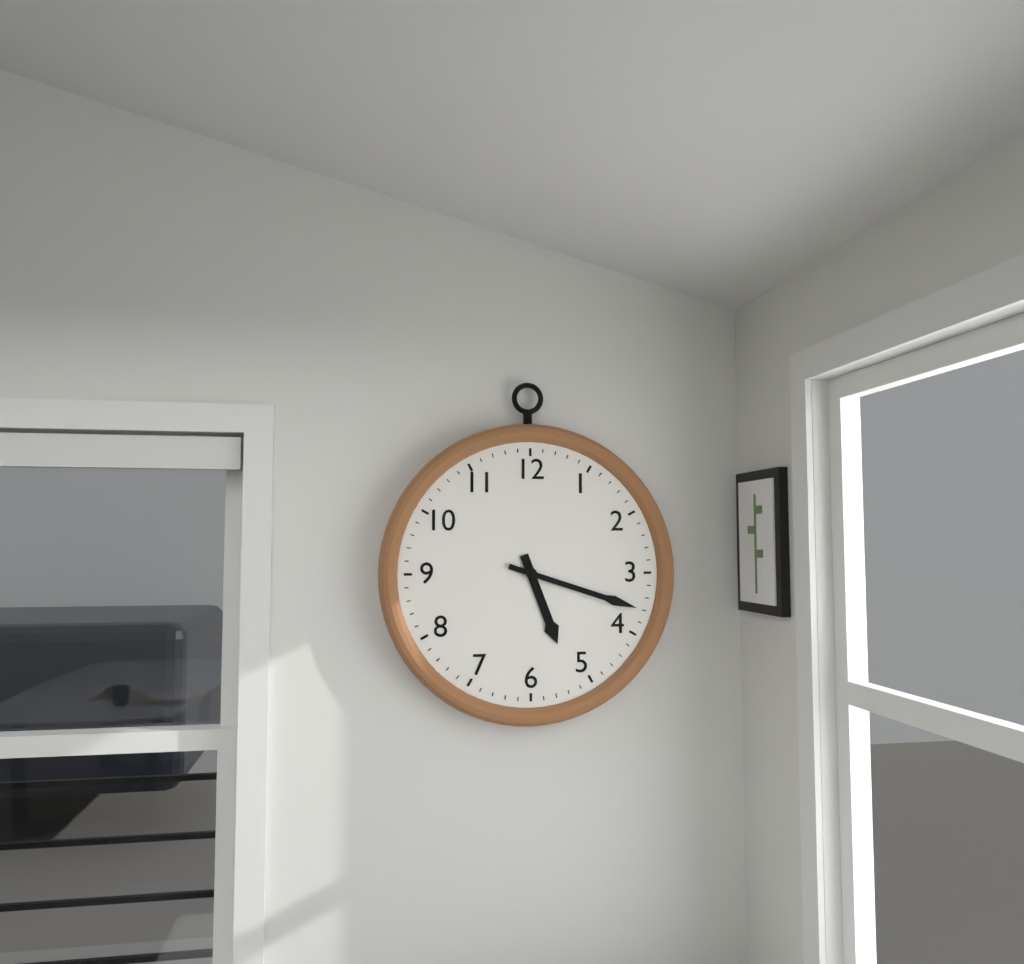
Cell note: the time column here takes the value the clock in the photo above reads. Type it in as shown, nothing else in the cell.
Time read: 5:18
